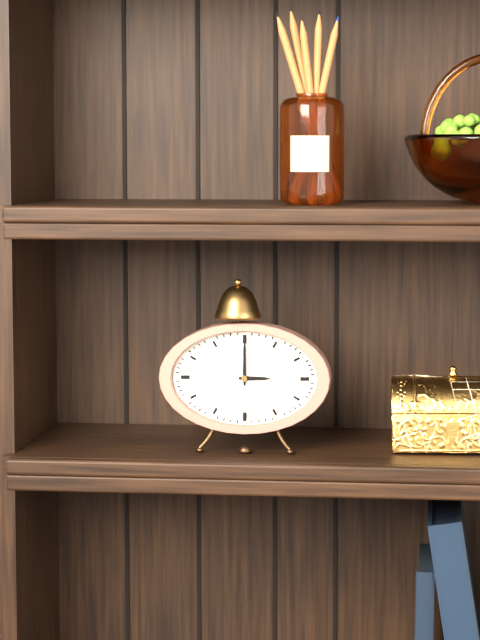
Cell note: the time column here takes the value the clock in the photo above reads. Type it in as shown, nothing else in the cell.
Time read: 3:00
